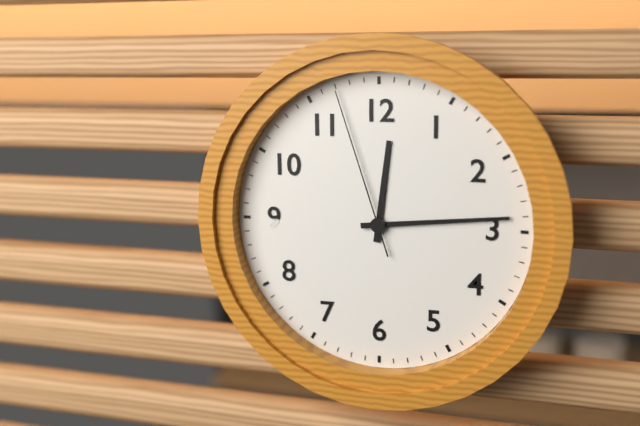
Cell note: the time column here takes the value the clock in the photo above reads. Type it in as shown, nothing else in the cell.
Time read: 12:14:57
